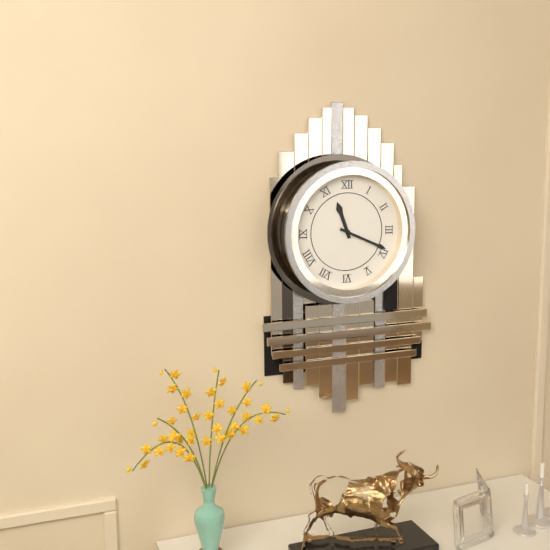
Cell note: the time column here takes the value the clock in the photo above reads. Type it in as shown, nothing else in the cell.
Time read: 11:19
